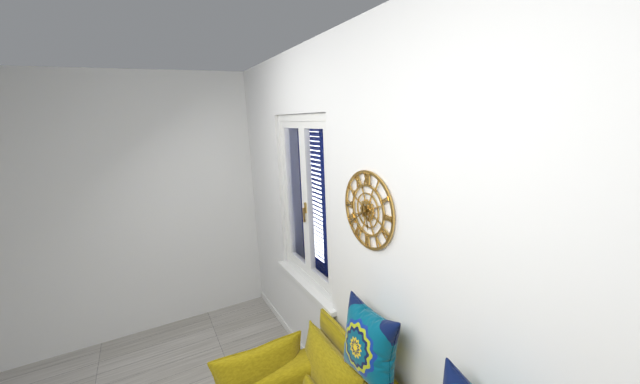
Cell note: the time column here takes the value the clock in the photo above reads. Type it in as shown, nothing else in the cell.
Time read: 5:39
